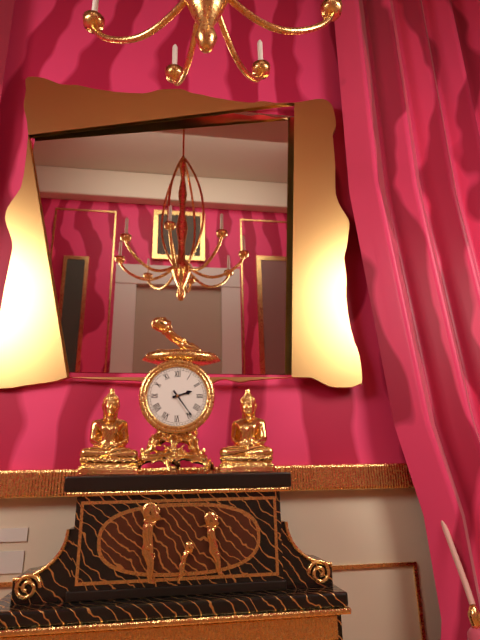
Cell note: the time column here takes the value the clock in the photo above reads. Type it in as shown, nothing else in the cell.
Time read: 2:24
